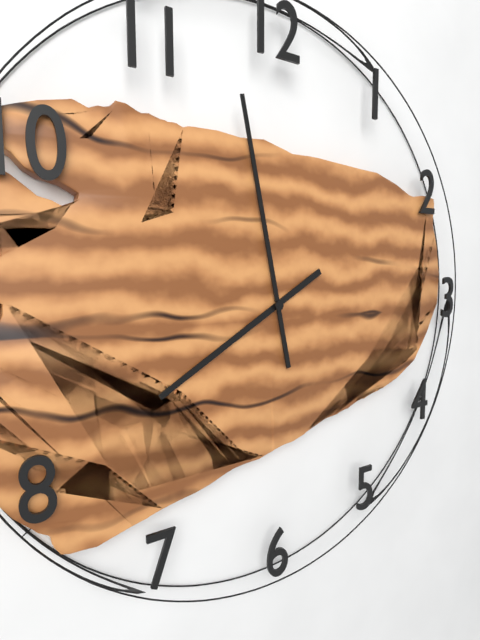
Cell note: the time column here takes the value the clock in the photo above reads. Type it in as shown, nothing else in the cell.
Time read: 7:58
